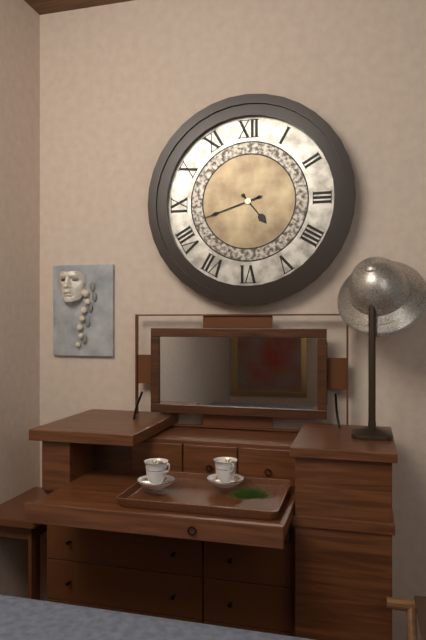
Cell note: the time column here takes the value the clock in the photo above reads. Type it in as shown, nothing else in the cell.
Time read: 4:42
